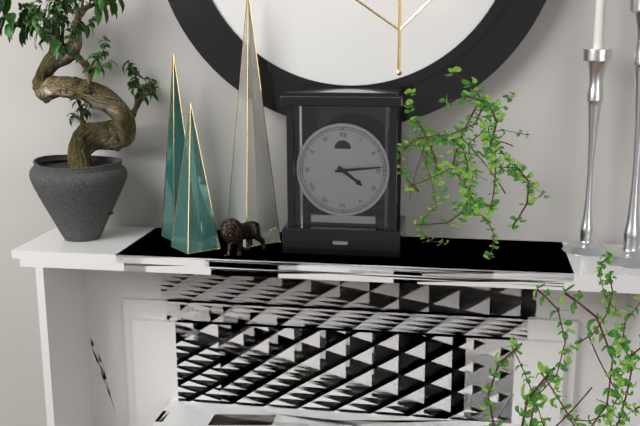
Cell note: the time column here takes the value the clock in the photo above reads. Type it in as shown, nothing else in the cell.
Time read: 4:14
